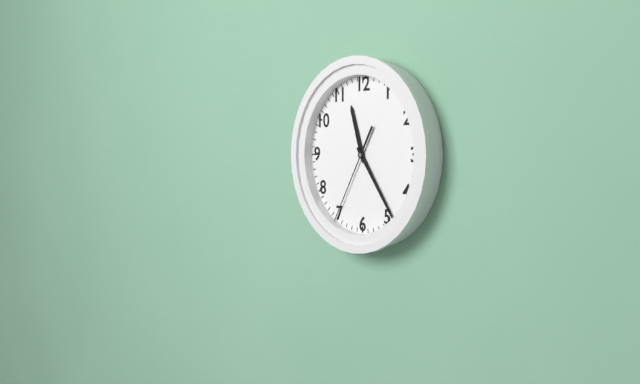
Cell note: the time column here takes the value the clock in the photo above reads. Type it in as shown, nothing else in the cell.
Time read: 11:24:35
